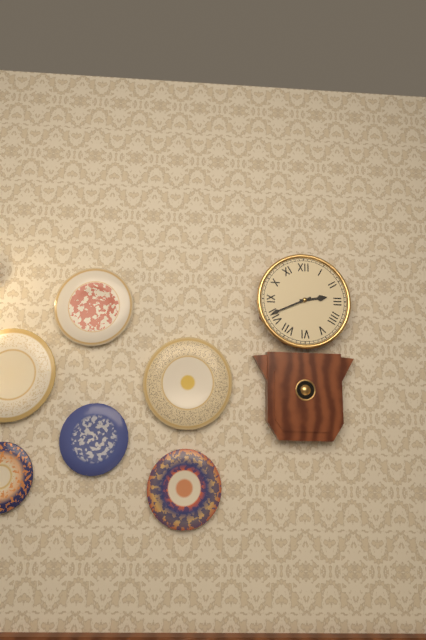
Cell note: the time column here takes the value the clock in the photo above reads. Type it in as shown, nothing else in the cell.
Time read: 2:41
